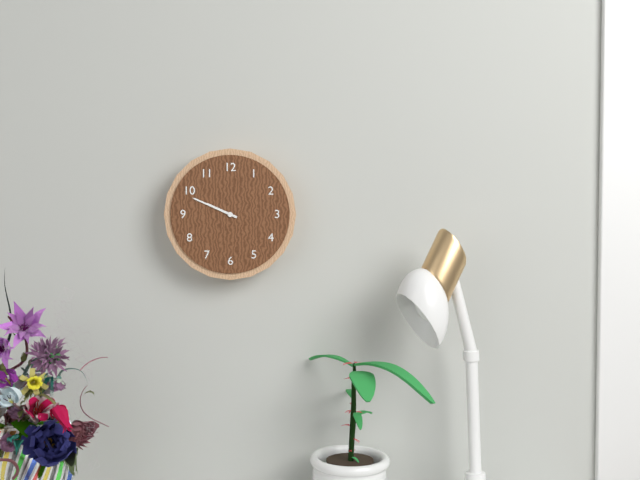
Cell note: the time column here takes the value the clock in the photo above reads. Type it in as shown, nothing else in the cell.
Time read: 9:49
